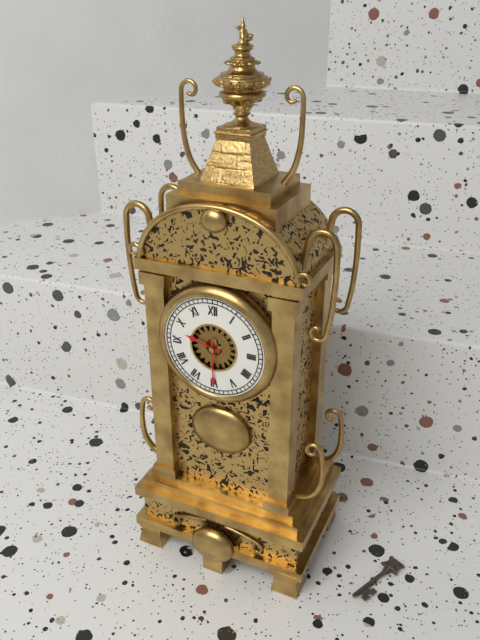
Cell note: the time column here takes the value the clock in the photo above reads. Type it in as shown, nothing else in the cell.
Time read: 9:30
